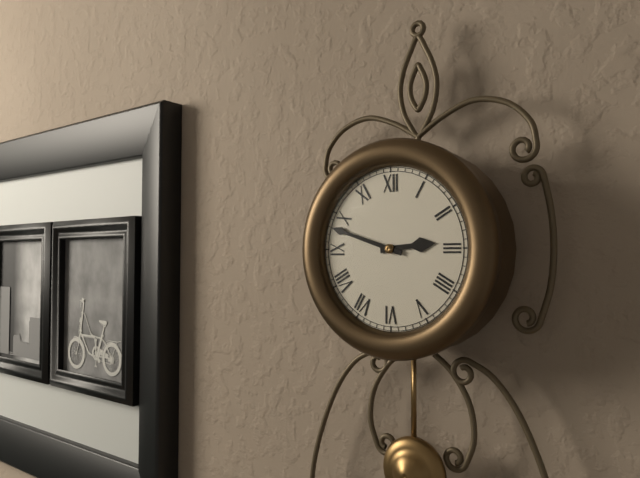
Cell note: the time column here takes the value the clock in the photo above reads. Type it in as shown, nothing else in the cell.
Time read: 2:48
